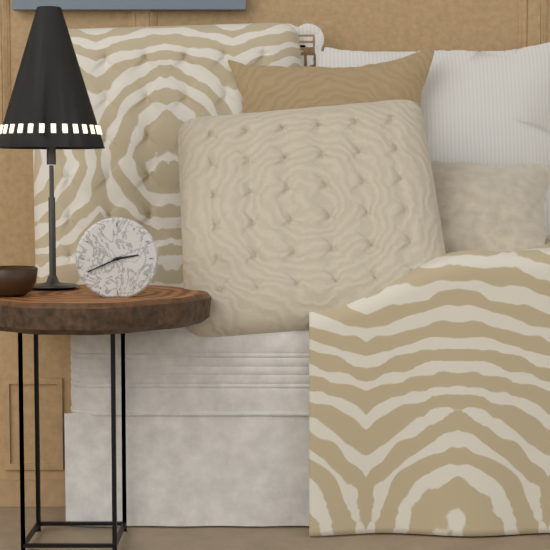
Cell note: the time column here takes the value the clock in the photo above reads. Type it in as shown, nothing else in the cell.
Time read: 2:41
